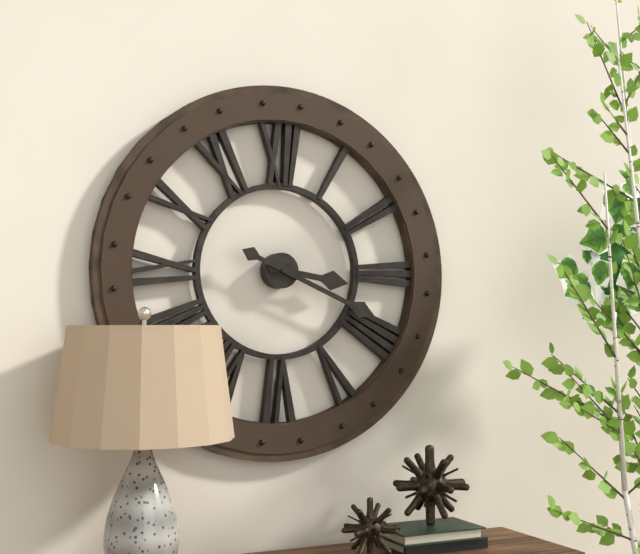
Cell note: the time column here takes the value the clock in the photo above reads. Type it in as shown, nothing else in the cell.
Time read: 3:19
